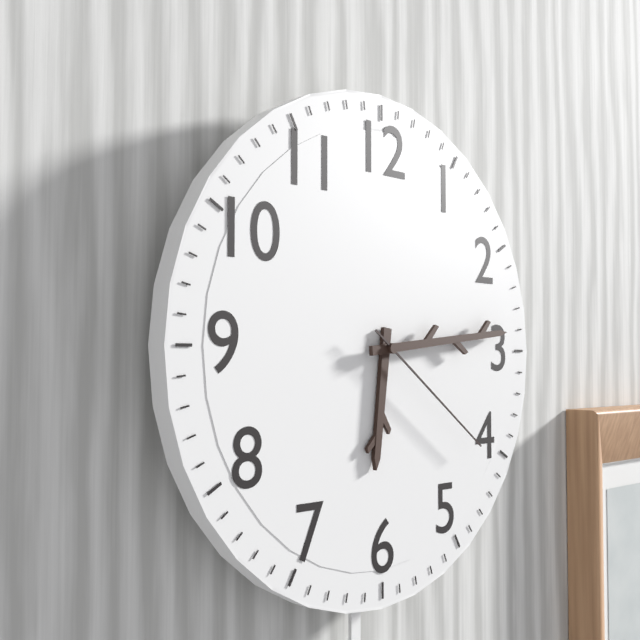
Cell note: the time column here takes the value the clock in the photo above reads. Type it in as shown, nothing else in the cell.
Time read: 6:14:21
